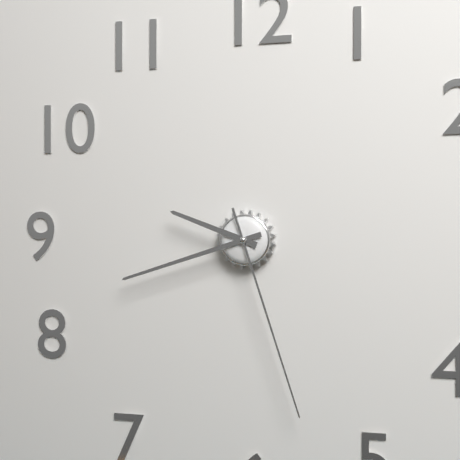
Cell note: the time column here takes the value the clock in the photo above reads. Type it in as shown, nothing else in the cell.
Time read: 9:42:27
